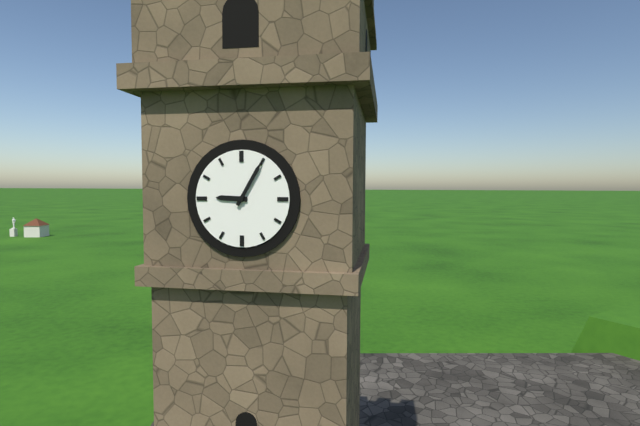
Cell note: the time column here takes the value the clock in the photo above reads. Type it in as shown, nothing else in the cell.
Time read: 9:05
